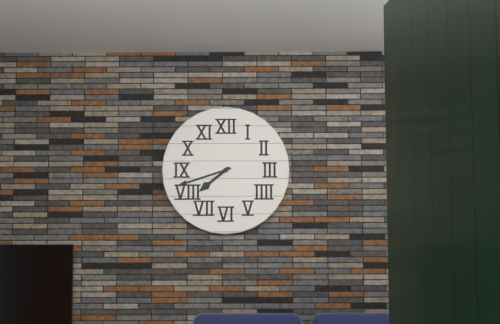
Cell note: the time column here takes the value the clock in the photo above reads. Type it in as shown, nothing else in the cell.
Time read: 7:42
